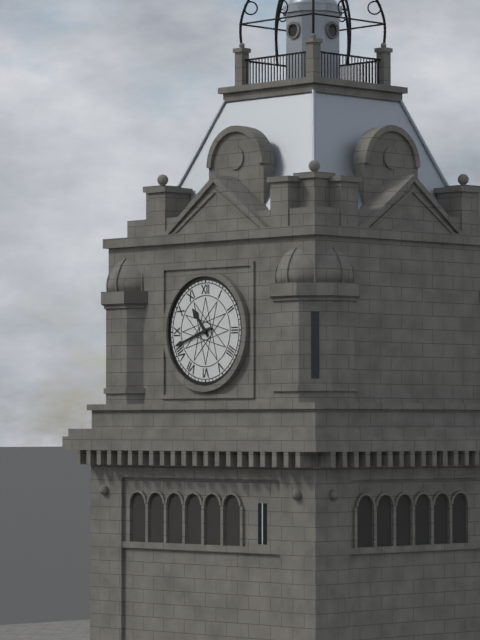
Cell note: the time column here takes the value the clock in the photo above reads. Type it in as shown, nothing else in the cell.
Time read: 10:42
